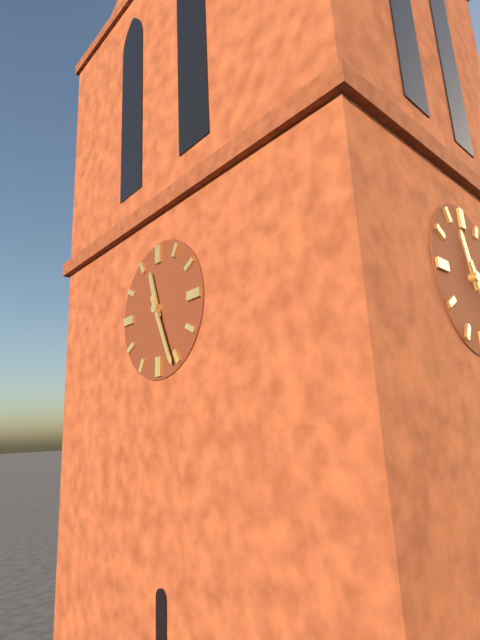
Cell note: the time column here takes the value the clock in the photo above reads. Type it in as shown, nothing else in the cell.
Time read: 11:26
